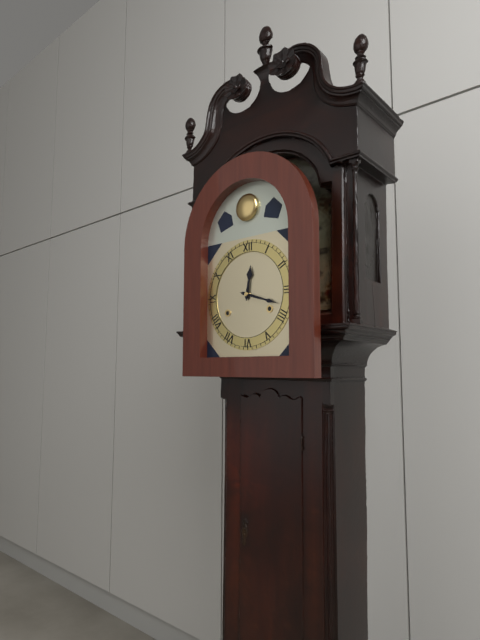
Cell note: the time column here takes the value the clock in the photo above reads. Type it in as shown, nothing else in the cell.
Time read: 12:18
